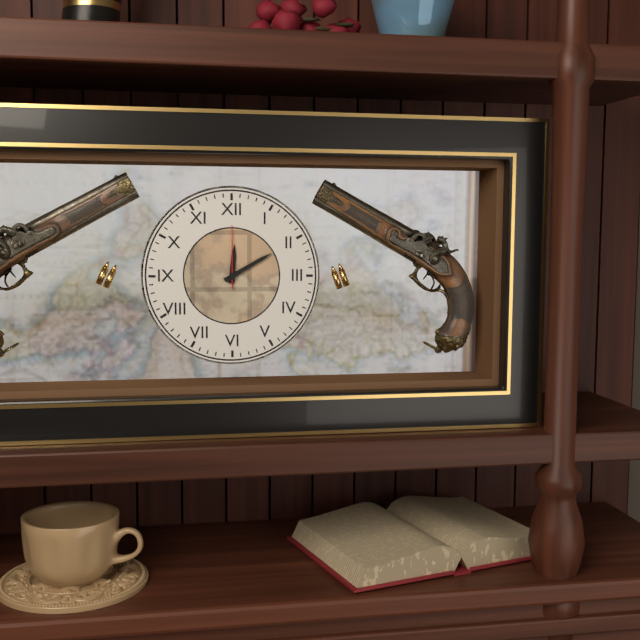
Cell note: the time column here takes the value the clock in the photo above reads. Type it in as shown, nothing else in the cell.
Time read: 12:10:00
